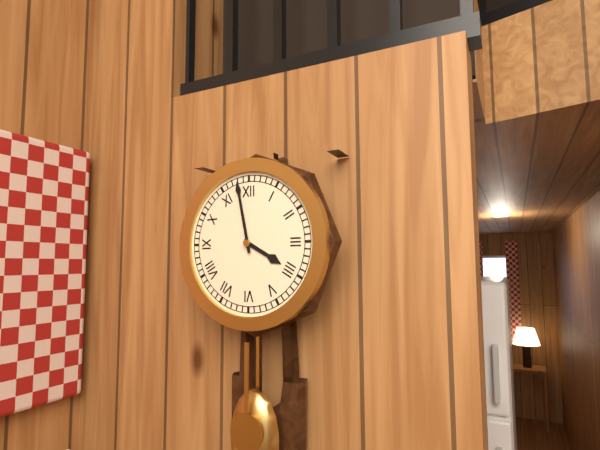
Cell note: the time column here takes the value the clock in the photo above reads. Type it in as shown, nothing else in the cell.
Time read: 3:58
